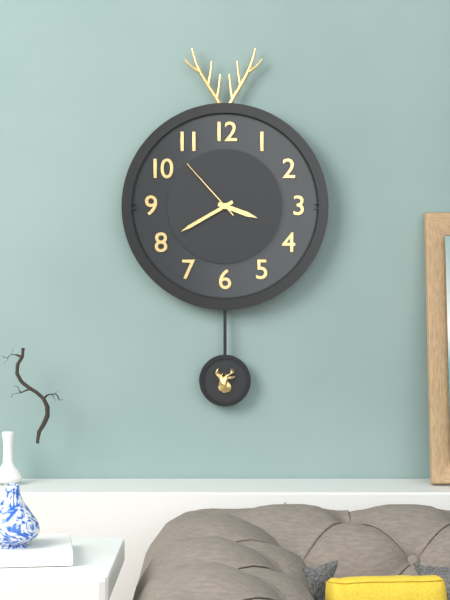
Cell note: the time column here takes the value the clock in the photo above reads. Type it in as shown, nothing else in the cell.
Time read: 3:40:53
